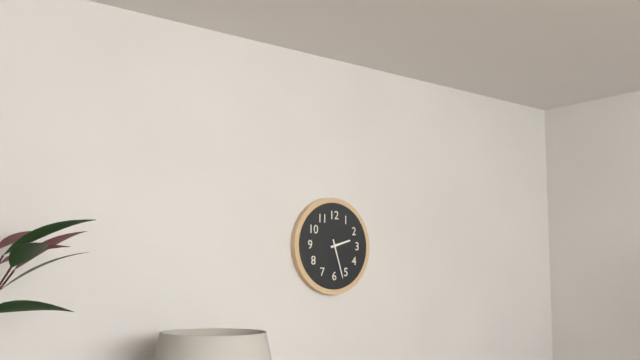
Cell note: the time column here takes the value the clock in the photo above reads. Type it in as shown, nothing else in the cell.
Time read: 2:27
